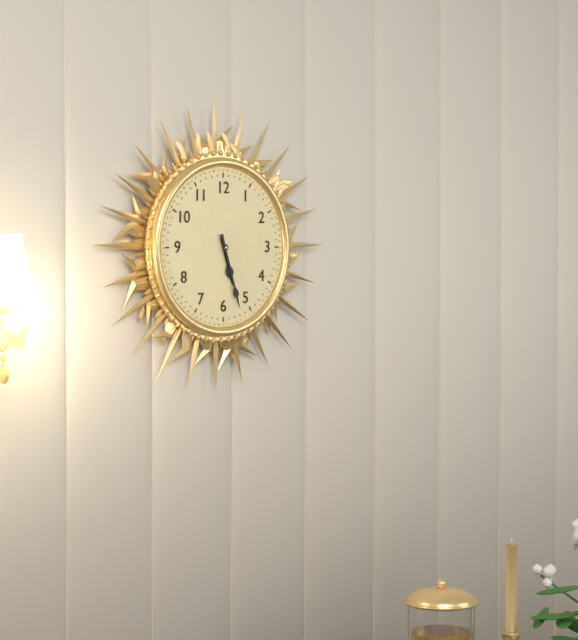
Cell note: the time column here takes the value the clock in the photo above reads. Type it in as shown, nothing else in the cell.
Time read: 5:27
